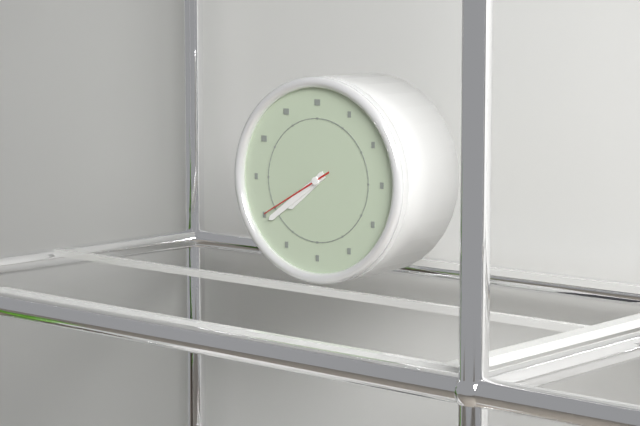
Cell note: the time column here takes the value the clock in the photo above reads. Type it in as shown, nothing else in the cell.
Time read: 7:39:40
